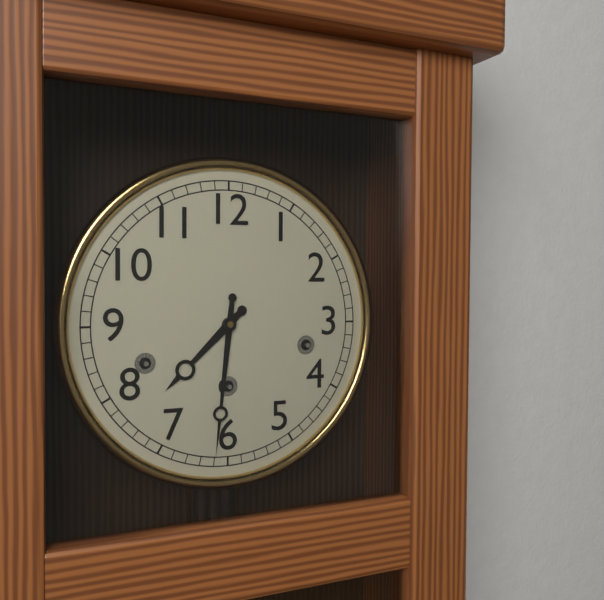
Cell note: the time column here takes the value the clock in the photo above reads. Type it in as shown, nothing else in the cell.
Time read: 7:31
